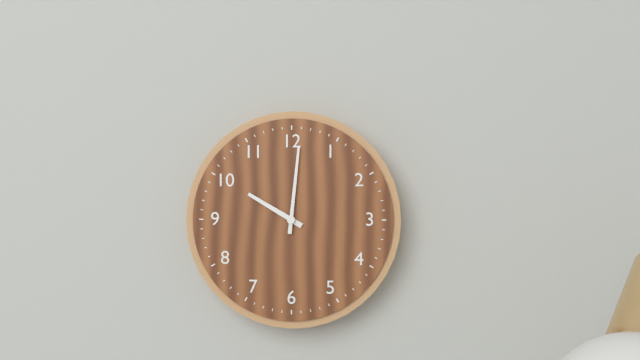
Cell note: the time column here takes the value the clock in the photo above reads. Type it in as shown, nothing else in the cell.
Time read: 10:01
